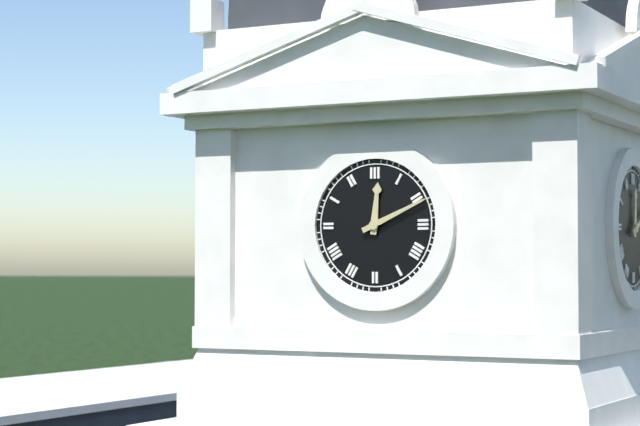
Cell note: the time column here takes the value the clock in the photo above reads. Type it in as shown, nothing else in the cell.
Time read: 12:11
